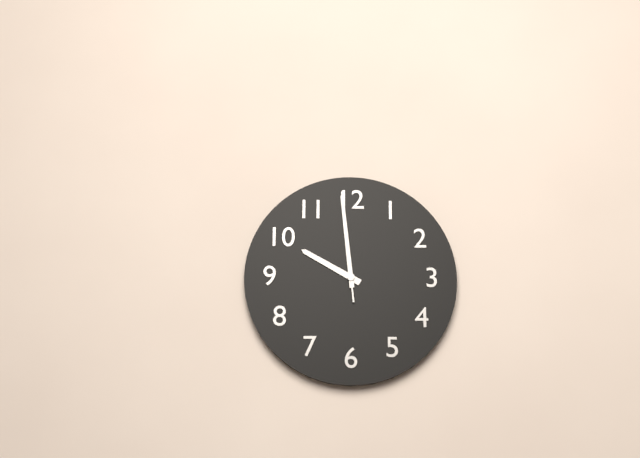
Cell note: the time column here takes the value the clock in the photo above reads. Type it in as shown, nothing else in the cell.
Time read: 9:59:59
